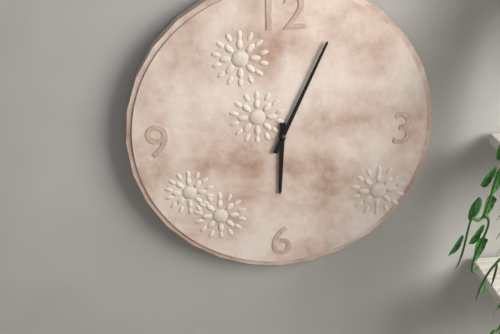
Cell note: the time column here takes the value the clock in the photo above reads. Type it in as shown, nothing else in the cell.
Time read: 6:04
